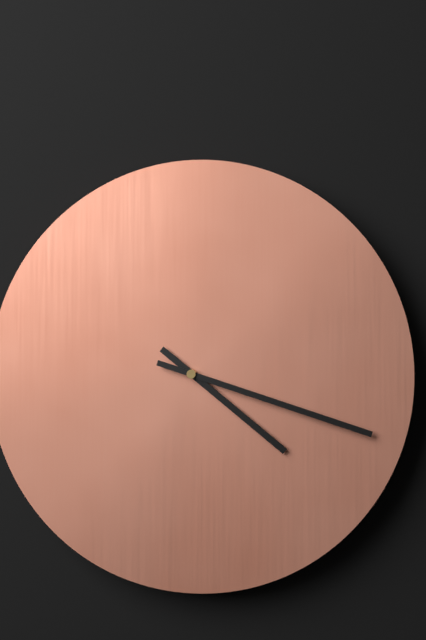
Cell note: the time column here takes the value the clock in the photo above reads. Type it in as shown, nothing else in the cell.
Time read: 4:18
